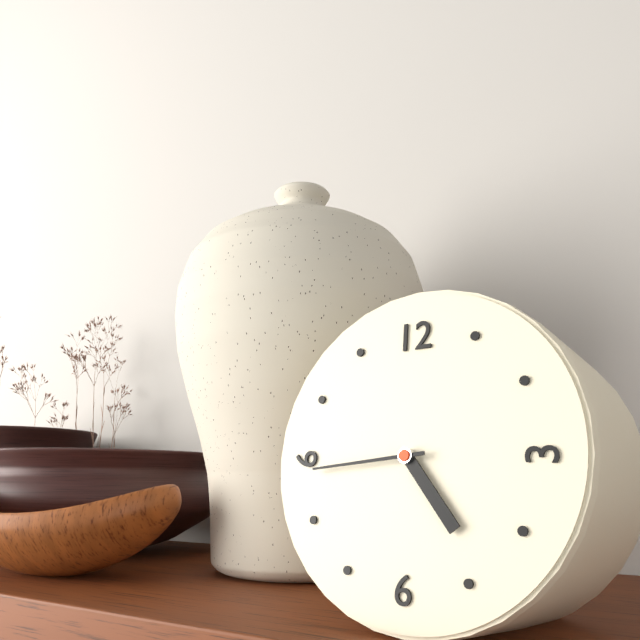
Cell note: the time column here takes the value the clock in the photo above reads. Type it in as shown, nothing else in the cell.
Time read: 4:44
